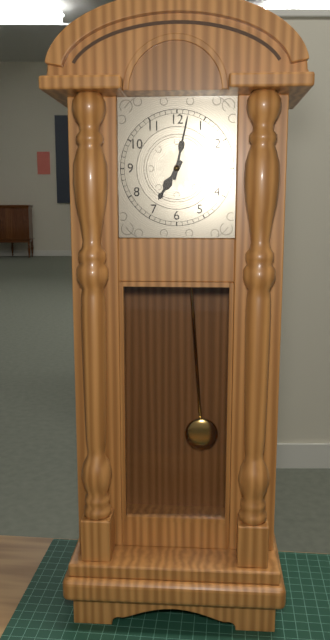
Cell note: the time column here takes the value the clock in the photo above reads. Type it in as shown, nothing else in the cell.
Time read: 7:02
